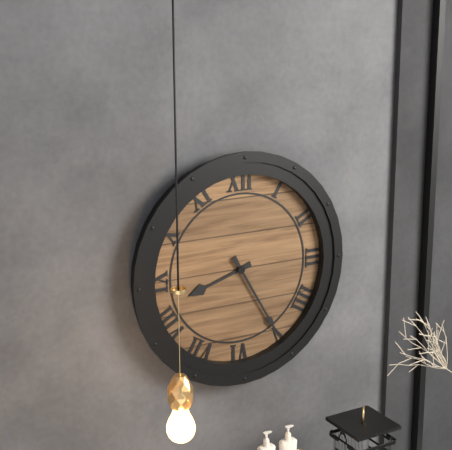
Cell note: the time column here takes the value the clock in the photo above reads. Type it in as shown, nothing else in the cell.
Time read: 8:25
